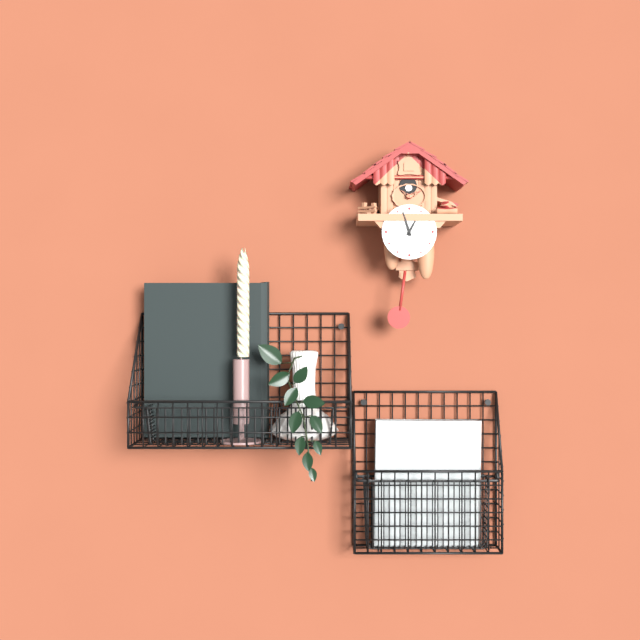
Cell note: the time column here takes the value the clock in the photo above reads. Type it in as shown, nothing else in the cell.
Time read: 12:57
